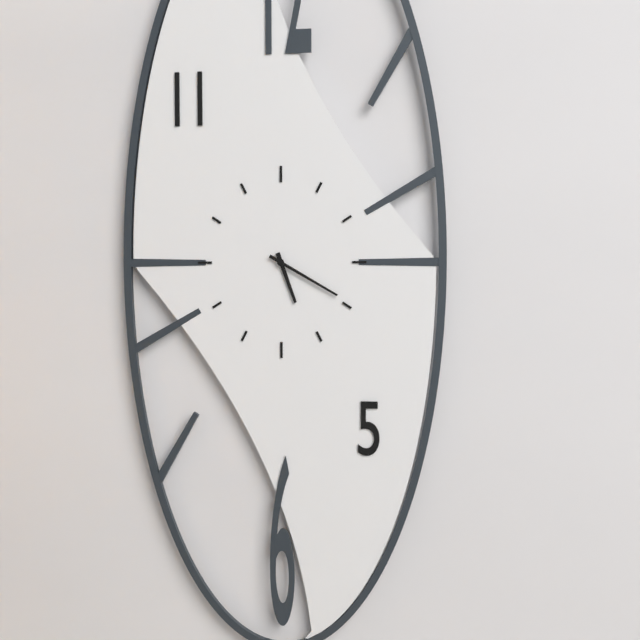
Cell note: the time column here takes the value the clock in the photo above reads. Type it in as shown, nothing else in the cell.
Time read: 5:20
